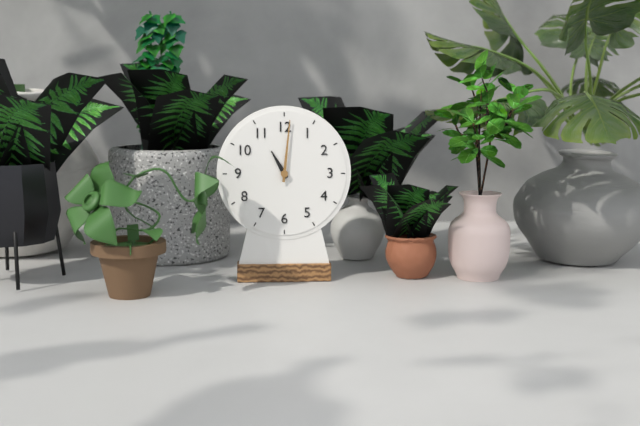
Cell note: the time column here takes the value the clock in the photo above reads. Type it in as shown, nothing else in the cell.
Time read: 11:01
